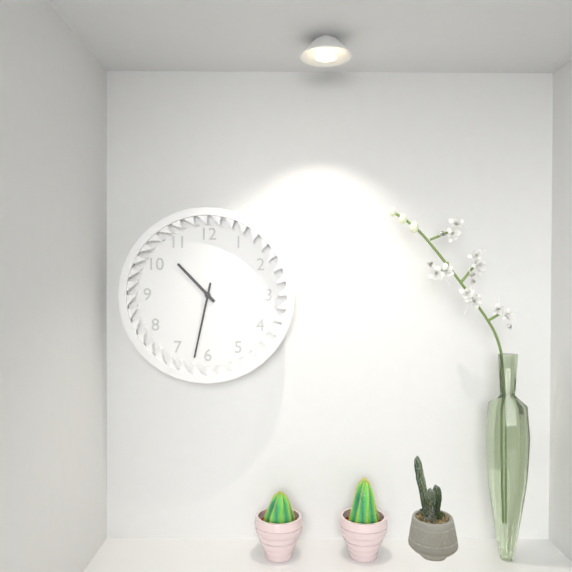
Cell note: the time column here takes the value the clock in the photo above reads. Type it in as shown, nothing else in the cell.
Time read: 10:32
